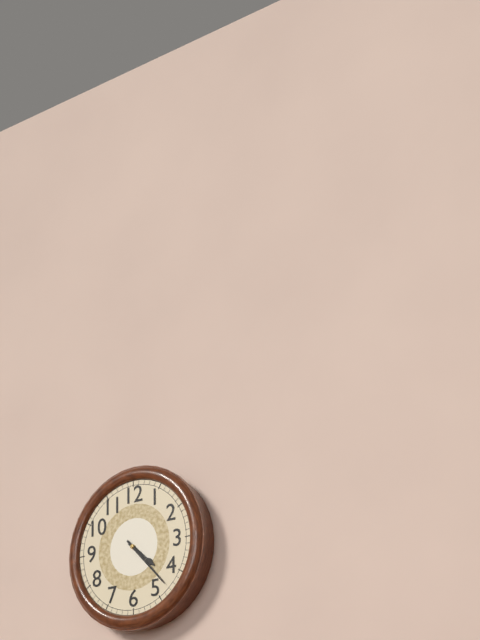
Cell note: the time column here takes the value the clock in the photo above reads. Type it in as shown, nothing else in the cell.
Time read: 4:23
